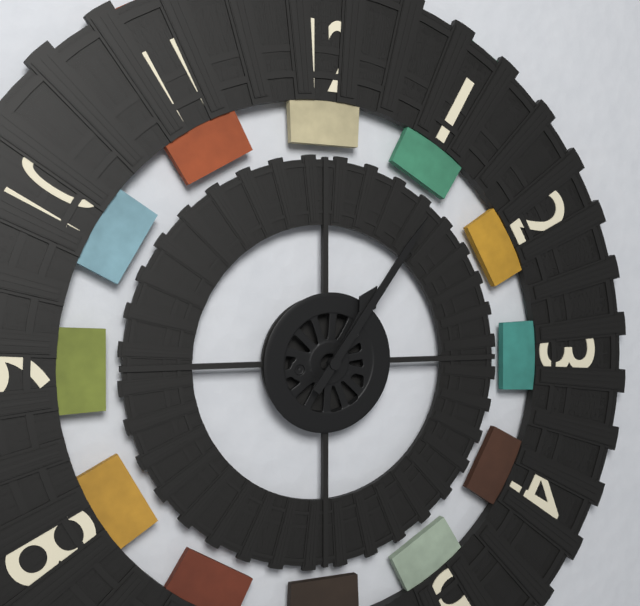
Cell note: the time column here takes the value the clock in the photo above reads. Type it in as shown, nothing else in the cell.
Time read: 1:06
